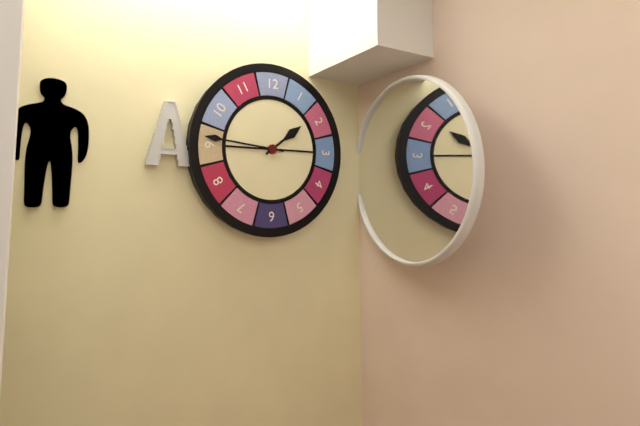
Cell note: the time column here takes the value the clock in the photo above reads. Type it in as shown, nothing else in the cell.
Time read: 1:46
